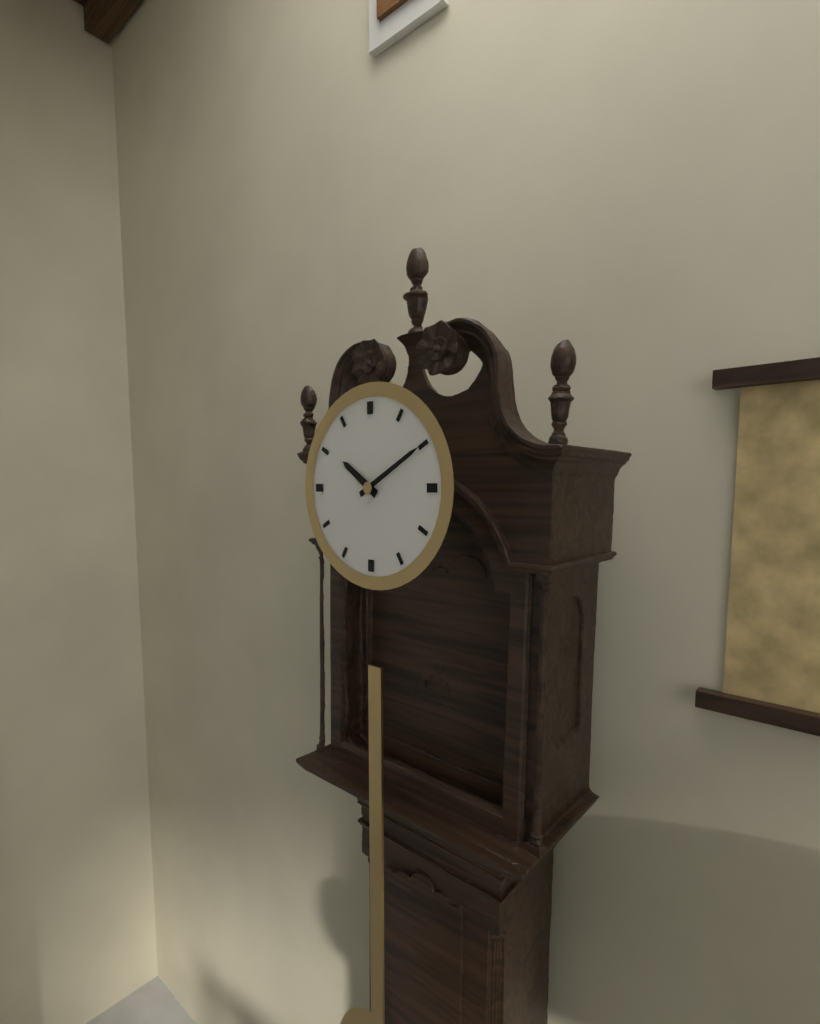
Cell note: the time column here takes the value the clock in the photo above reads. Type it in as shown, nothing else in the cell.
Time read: 10:10
